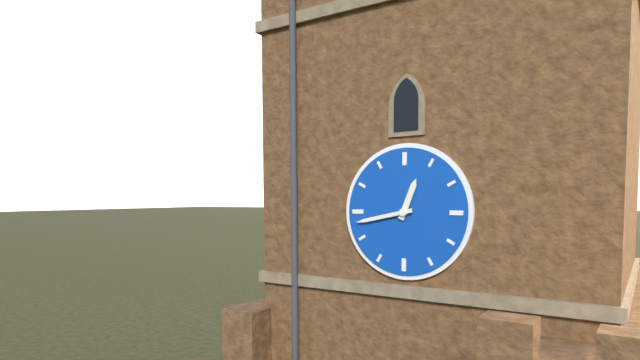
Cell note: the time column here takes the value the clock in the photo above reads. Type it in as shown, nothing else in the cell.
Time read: 12:43
